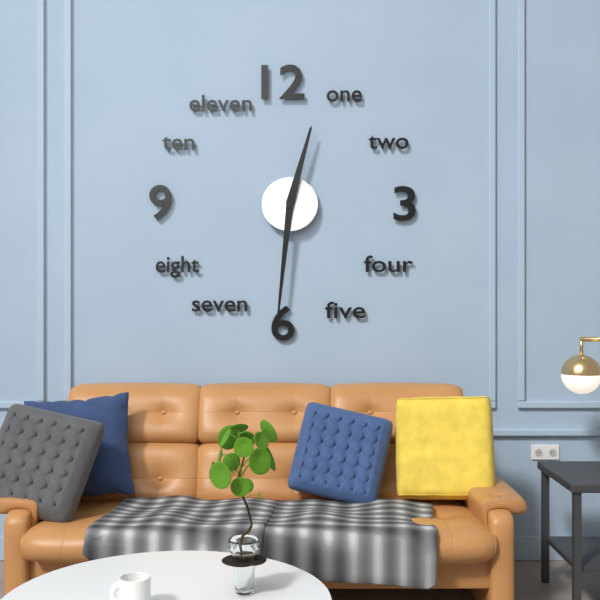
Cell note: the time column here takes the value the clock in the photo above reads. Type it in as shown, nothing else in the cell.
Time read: 12:31
